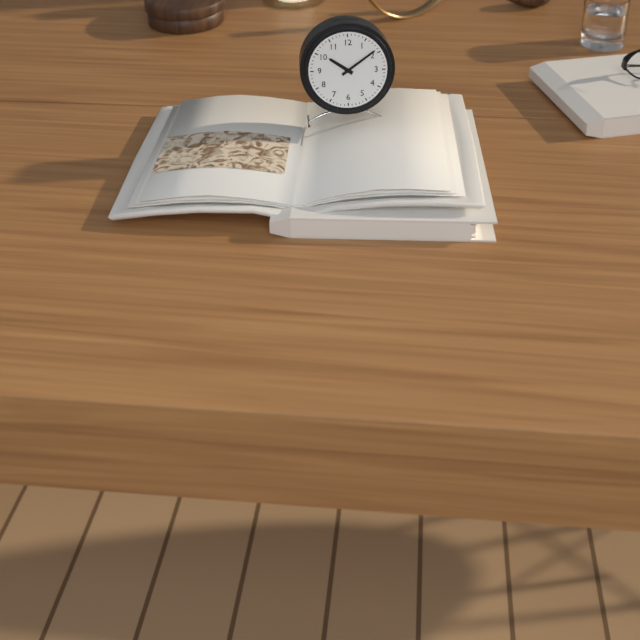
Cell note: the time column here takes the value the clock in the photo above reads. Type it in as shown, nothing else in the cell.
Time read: 10:09
